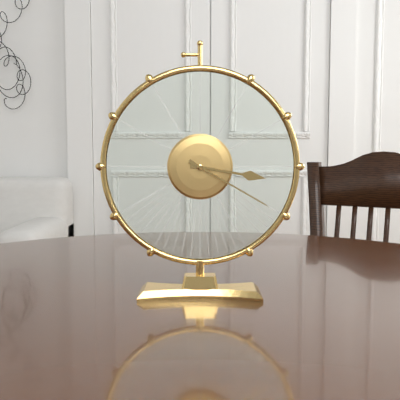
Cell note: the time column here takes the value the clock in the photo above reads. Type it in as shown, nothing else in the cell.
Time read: 3:20
